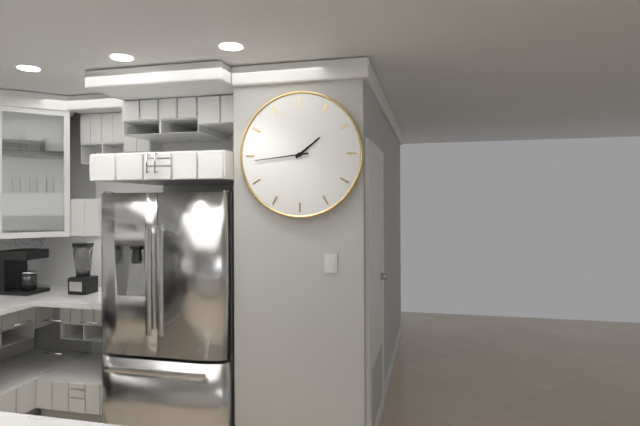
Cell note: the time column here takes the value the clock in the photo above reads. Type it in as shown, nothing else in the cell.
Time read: 1:44
